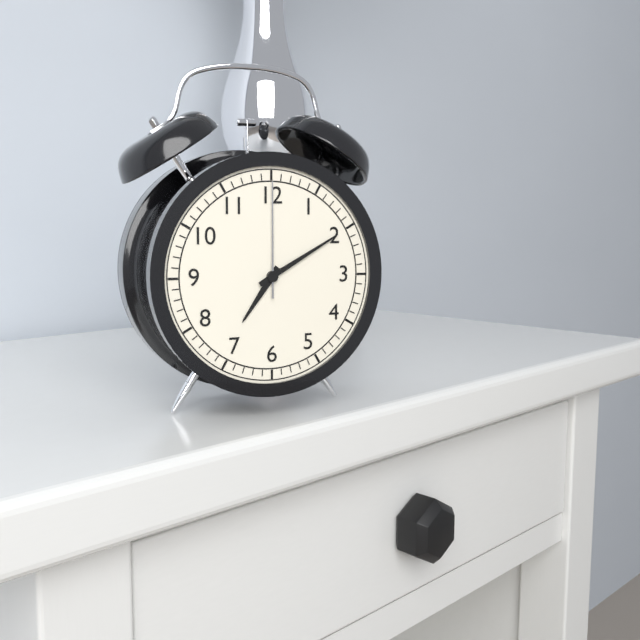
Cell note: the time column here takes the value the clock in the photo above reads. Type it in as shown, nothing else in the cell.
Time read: 7:10:00
